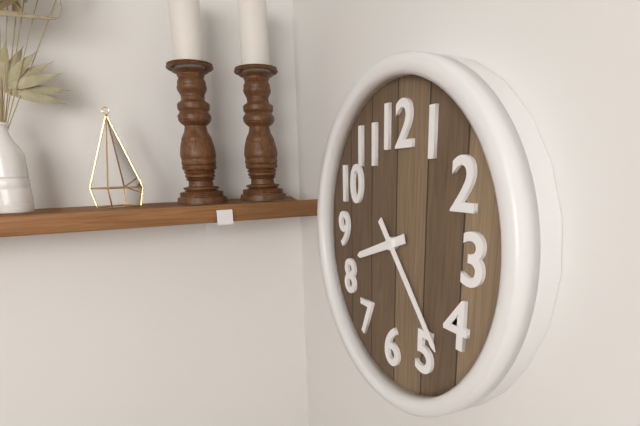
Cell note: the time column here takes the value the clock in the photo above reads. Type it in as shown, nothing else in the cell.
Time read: 8:23
